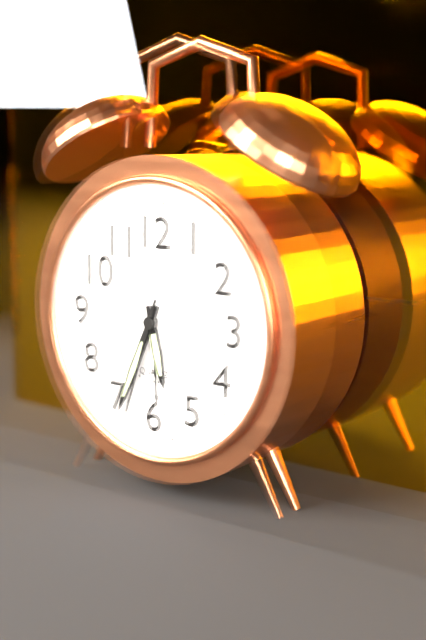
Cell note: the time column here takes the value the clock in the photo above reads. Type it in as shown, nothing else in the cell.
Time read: 5:34:33
